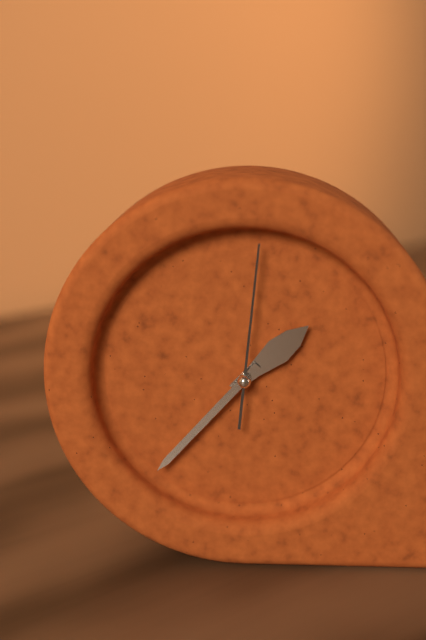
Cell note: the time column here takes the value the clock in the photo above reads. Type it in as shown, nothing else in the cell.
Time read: 1:37:01
